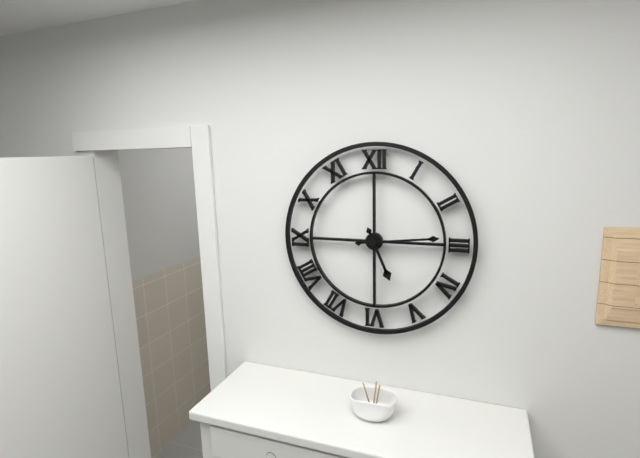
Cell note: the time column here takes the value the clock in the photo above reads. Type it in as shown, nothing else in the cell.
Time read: 5:14
